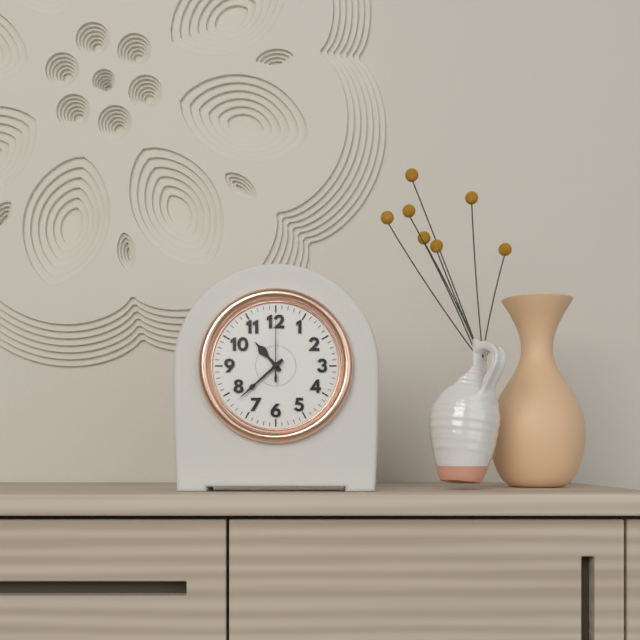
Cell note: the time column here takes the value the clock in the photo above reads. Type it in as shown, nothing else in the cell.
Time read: 10:38:00
